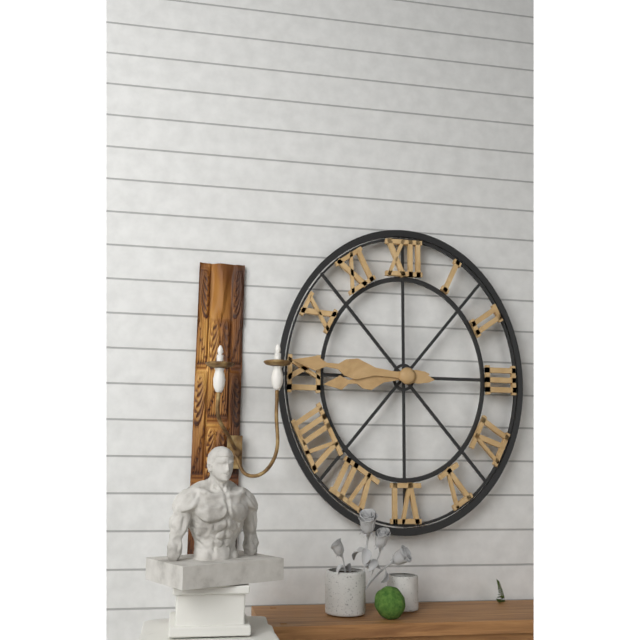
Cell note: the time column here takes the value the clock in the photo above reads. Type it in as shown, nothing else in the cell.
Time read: 8:46
